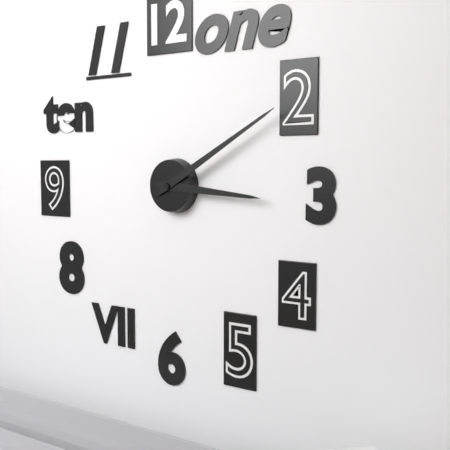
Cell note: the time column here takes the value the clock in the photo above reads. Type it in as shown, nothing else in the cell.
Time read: 3:10
